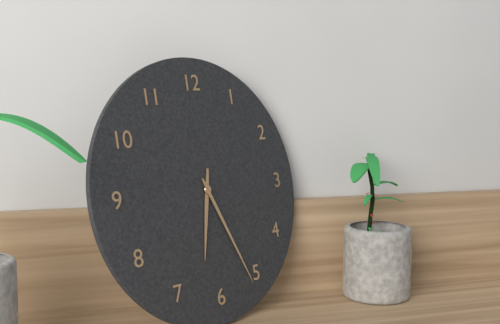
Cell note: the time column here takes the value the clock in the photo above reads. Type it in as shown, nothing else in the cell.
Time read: 6:26
